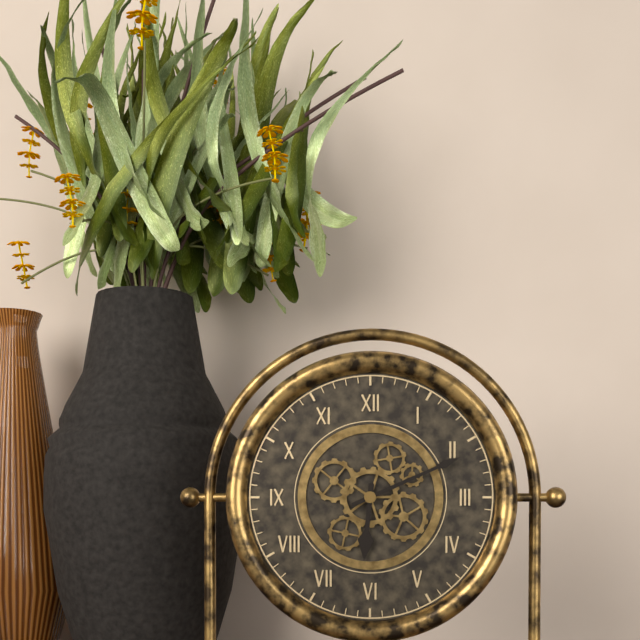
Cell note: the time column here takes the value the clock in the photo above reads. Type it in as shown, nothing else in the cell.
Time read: 6:11
